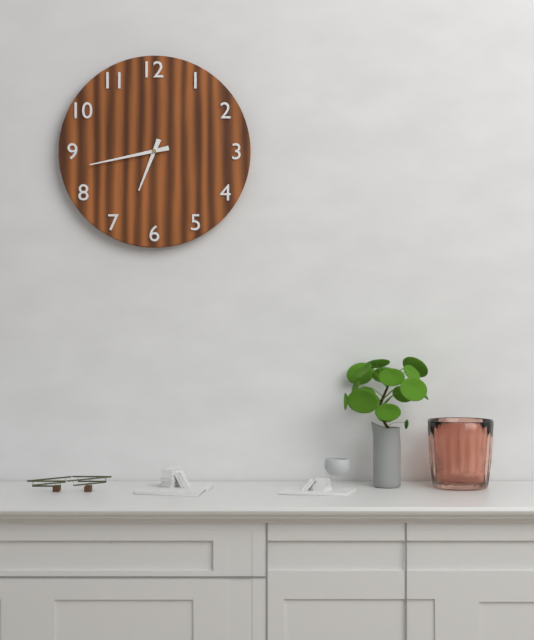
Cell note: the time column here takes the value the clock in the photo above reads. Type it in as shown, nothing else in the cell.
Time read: 6:43
